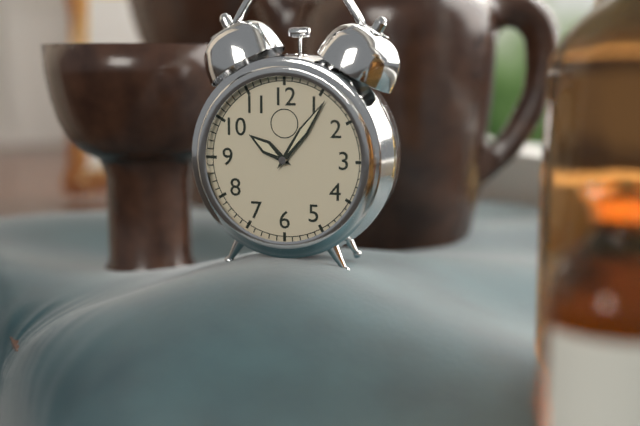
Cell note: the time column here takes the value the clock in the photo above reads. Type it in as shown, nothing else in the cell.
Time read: 10:06
